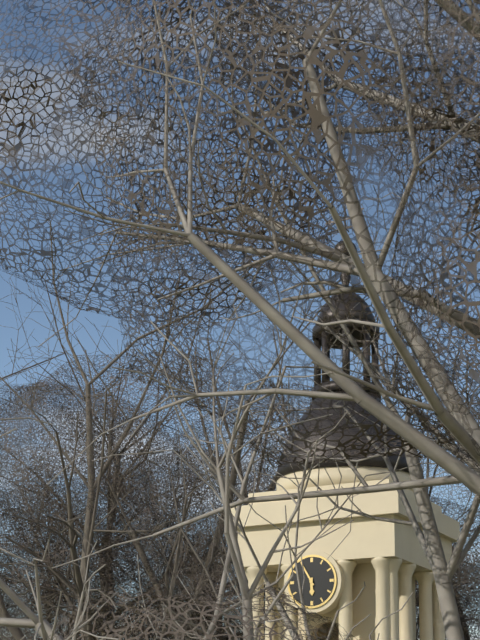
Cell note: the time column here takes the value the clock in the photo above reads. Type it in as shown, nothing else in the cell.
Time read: 5:55
